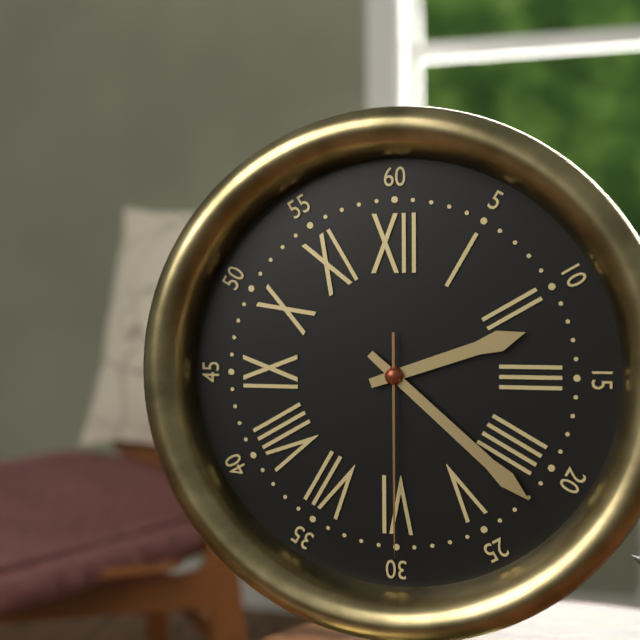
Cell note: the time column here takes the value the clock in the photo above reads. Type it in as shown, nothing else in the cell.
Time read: 2:22:30
